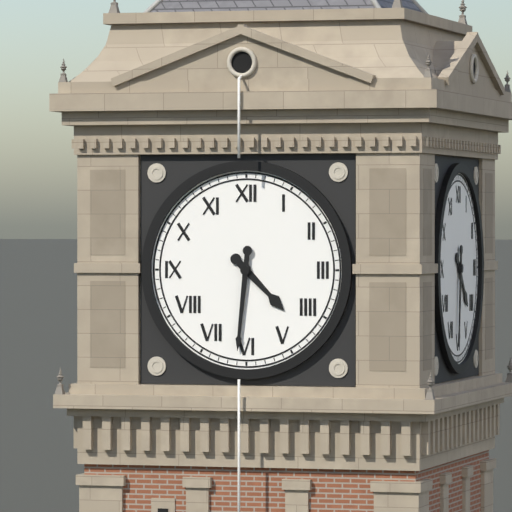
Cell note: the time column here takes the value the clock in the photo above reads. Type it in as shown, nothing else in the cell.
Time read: 4:31
